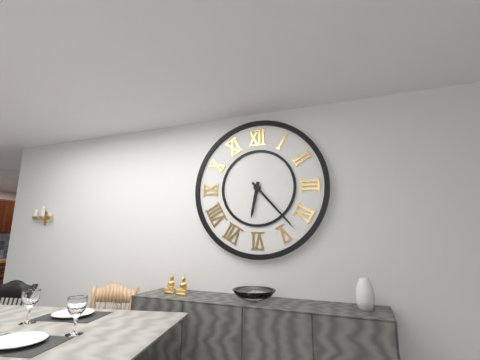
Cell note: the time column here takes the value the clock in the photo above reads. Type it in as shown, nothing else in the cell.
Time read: 6:23
